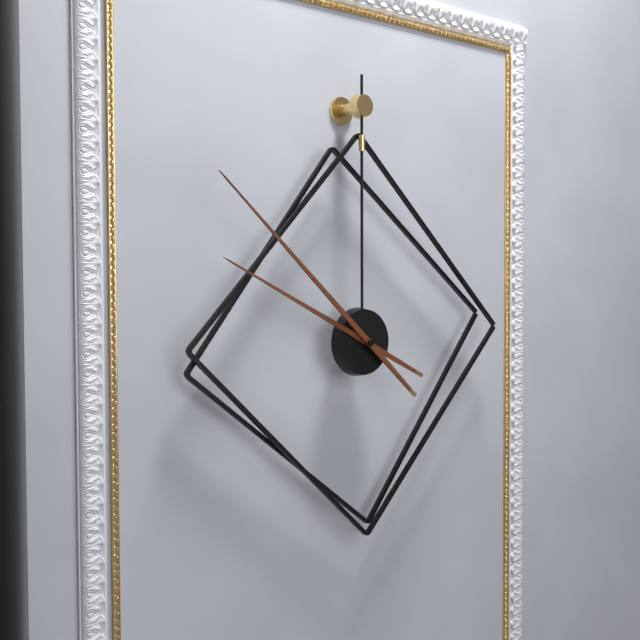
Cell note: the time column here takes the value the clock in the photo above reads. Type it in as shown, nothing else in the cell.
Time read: 9:52
